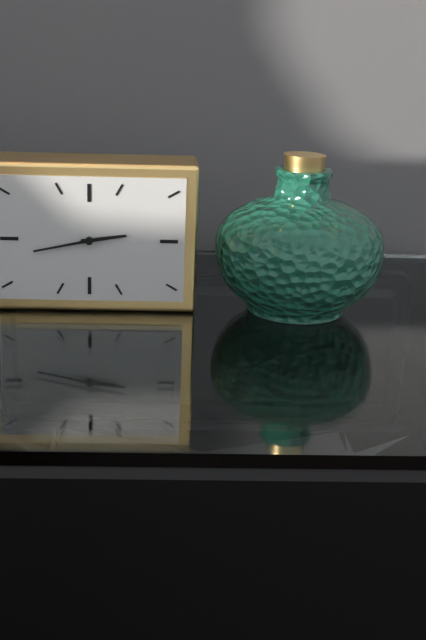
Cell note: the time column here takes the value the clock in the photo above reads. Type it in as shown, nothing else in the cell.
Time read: 2:43
